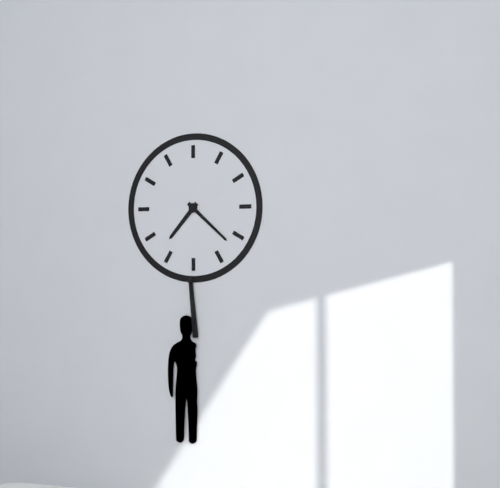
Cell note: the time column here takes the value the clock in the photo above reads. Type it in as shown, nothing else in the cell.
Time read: 7:22
